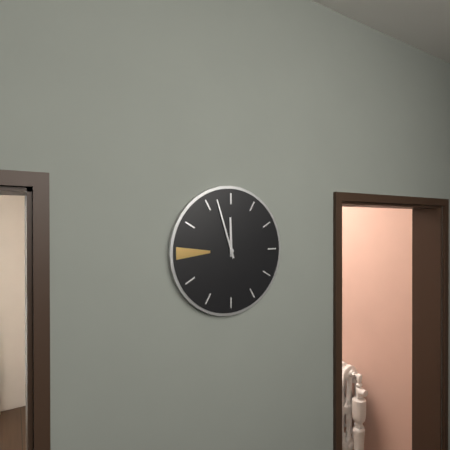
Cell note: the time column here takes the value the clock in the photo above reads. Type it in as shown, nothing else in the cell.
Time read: 11:57
